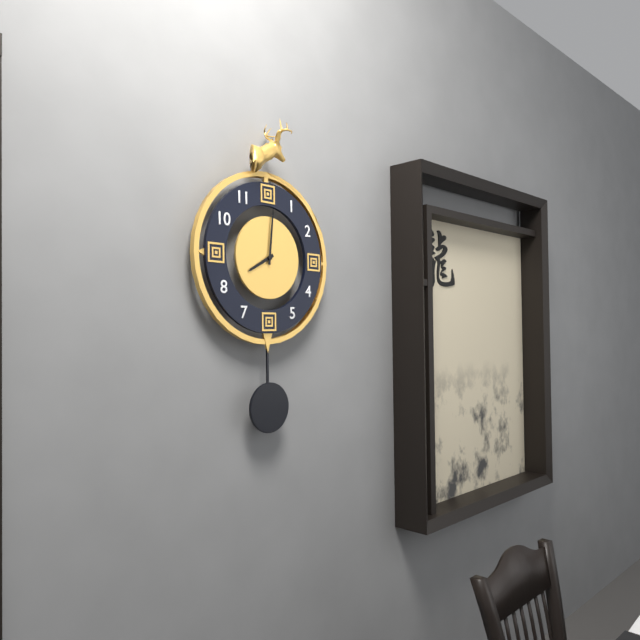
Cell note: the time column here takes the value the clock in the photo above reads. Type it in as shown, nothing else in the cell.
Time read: 8:01
